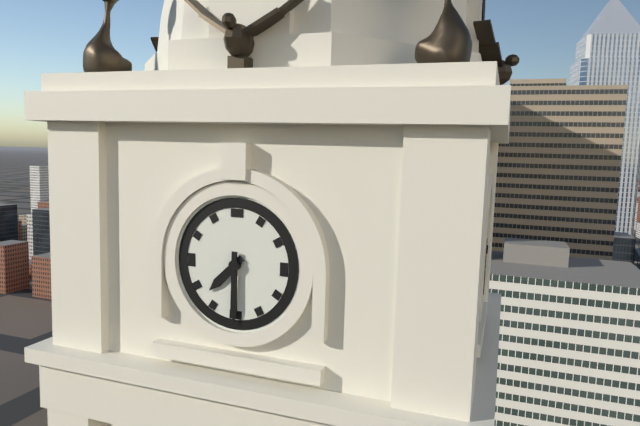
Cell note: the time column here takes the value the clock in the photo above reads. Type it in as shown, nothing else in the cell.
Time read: 7:30
